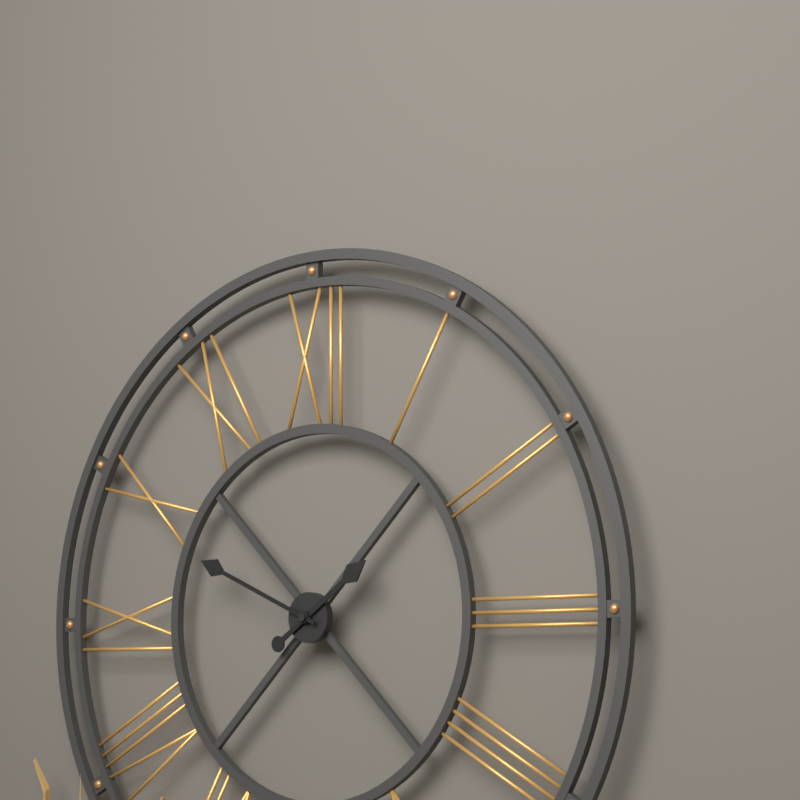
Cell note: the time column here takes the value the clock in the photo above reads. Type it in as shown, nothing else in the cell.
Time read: 1:49
